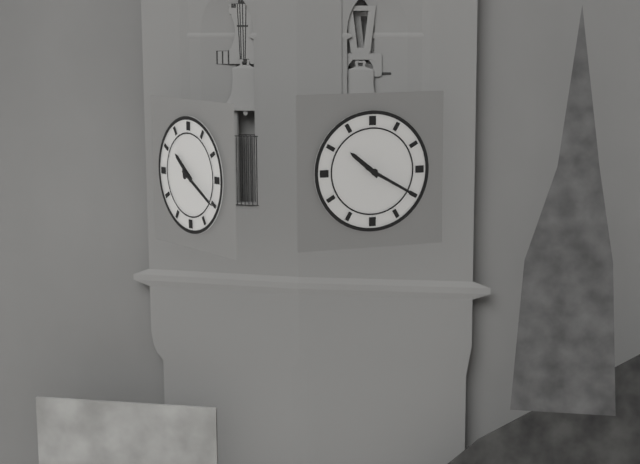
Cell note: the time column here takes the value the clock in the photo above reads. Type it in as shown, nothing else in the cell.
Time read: 10:20
